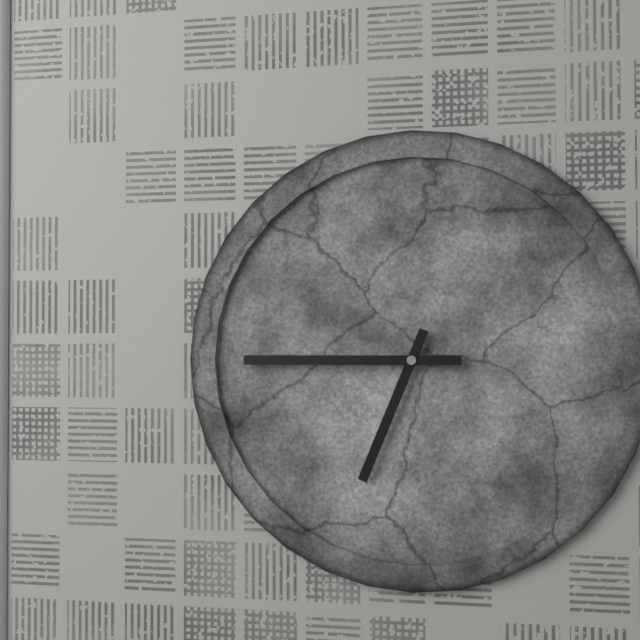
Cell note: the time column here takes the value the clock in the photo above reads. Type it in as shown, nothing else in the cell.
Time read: 6:45
